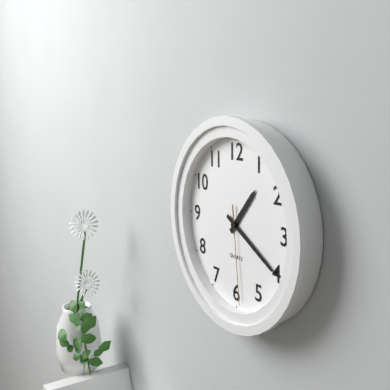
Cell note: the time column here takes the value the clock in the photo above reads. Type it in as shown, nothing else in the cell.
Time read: 1:20:29
